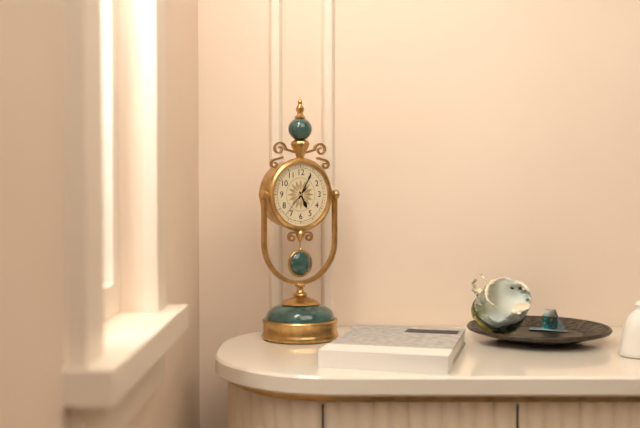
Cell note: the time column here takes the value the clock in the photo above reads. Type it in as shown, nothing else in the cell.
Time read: 5:05
